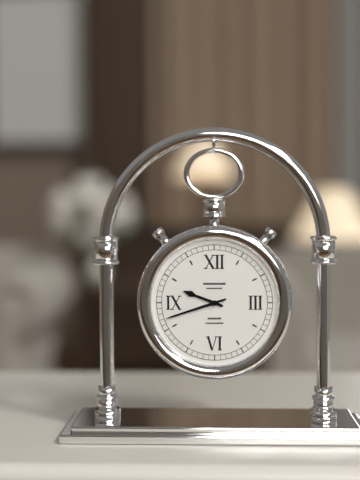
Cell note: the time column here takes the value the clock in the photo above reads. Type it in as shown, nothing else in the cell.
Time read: 9:42
